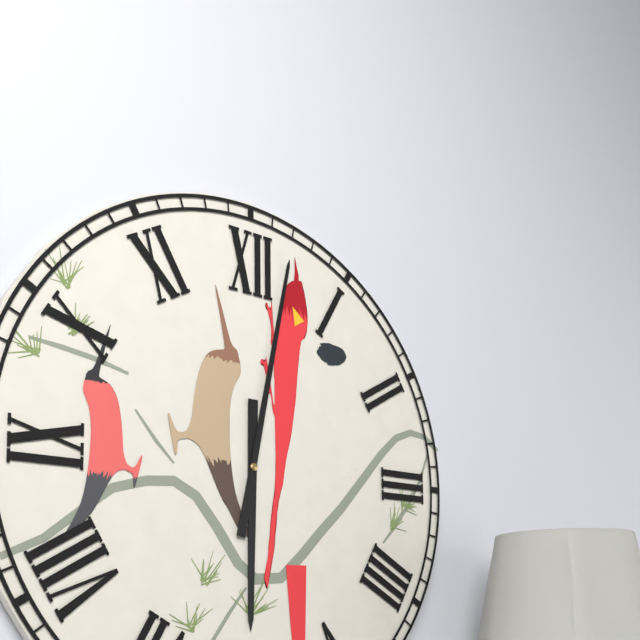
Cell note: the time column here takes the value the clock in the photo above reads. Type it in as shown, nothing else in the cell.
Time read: 6:02
